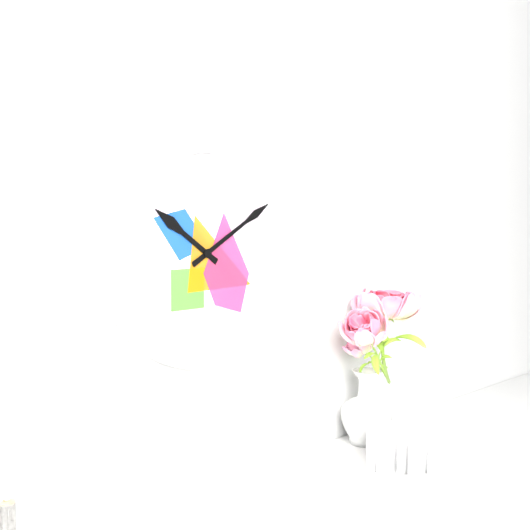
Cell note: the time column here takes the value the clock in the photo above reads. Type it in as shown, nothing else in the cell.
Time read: 10:10
